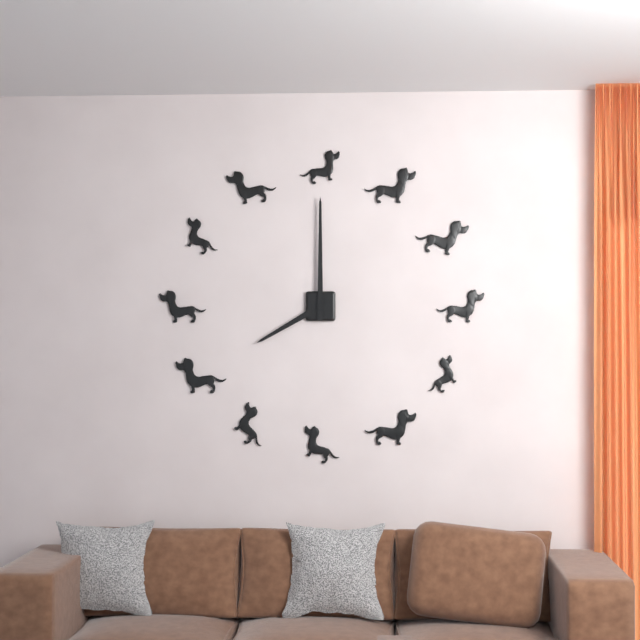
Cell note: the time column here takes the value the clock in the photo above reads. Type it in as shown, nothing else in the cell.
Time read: 8:00
